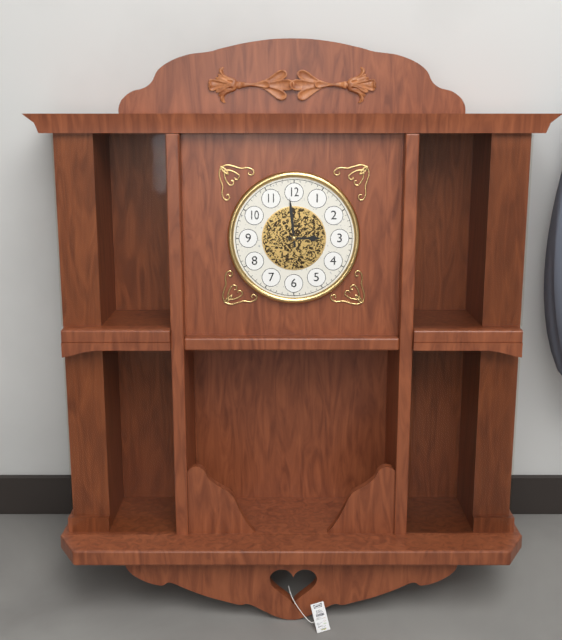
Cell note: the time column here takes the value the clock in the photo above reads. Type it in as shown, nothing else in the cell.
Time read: 2:59
